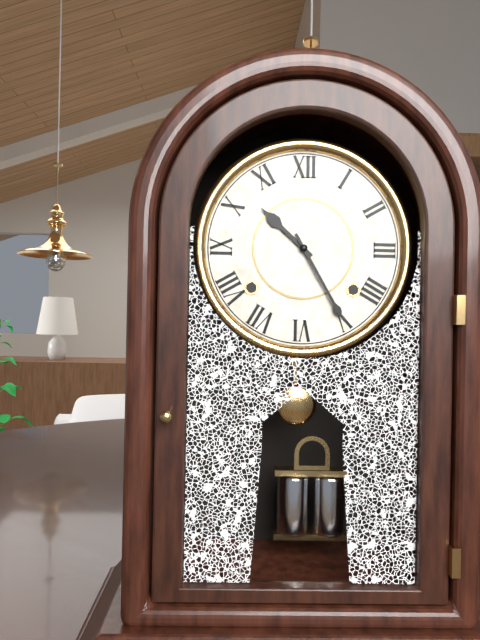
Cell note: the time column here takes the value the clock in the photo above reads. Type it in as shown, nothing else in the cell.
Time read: 10:25
